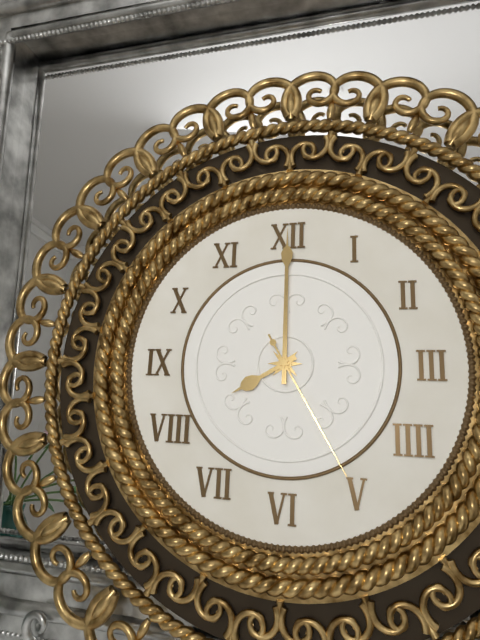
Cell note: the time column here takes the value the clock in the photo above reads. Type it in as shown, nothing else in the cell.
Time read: 8:00:25
